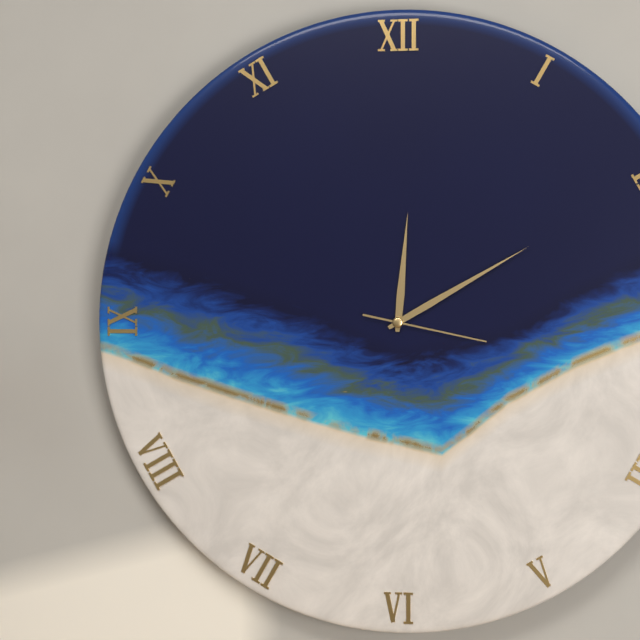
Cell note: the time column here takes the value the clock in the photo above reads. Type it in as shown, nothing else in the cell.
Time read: 12:10:17
